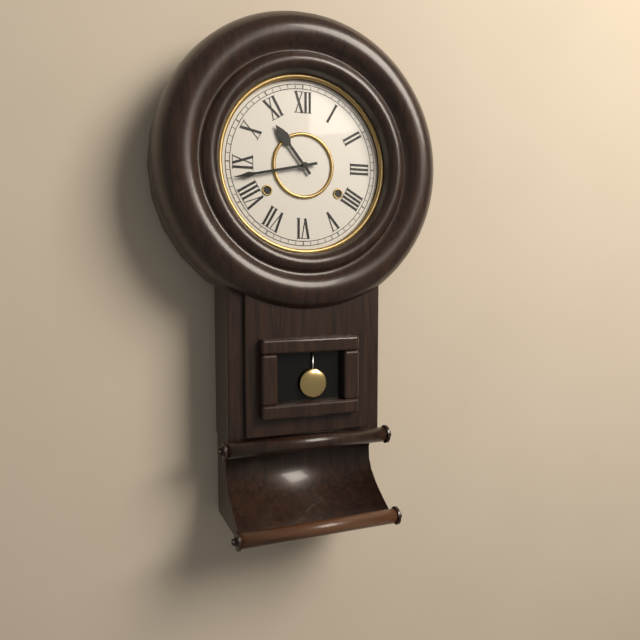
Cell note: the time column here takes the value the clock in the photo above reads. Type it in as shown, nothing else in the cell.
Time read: 10:43
